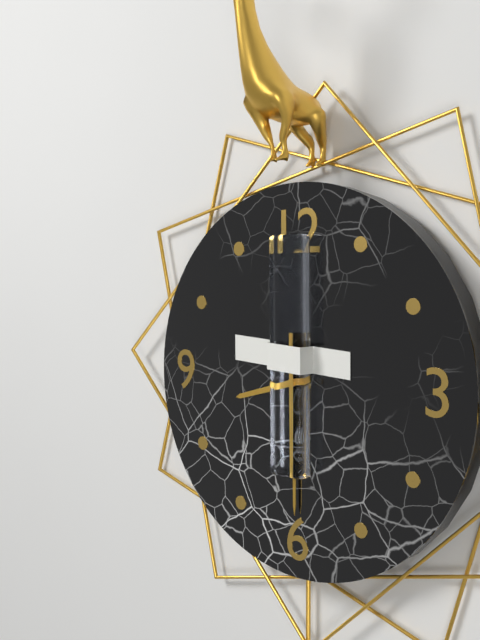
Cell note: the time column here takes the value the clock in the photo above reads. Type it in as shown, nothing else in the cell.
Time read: 8:30
